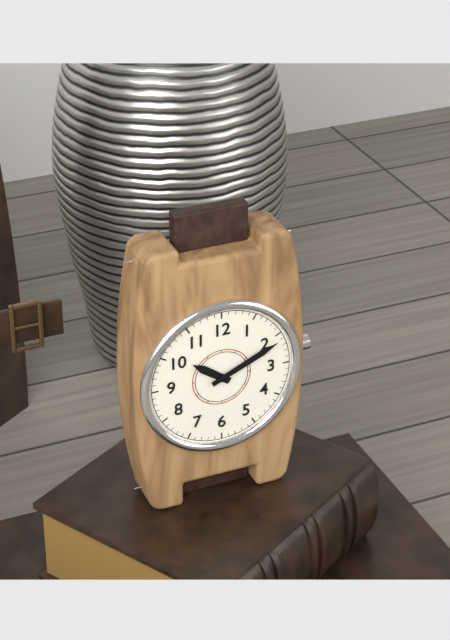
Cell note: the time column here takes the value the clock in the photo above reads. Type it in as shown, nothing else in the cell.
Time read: 10:11
